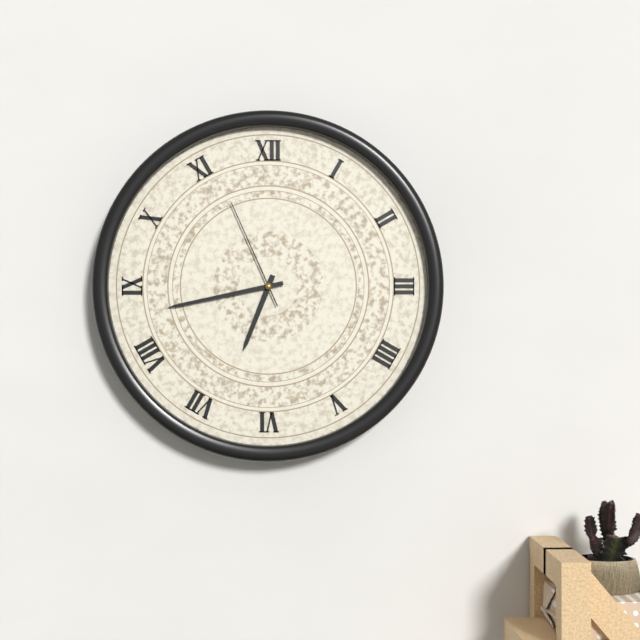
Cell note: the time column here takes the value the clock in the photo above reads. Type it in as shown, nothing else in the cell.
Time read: 6:43:56
